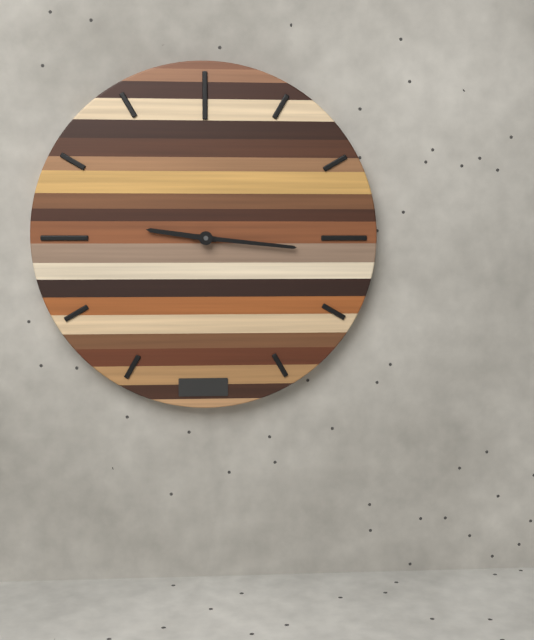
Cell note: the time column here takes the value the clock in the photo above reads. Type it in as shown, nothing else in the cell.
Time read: 9:16
